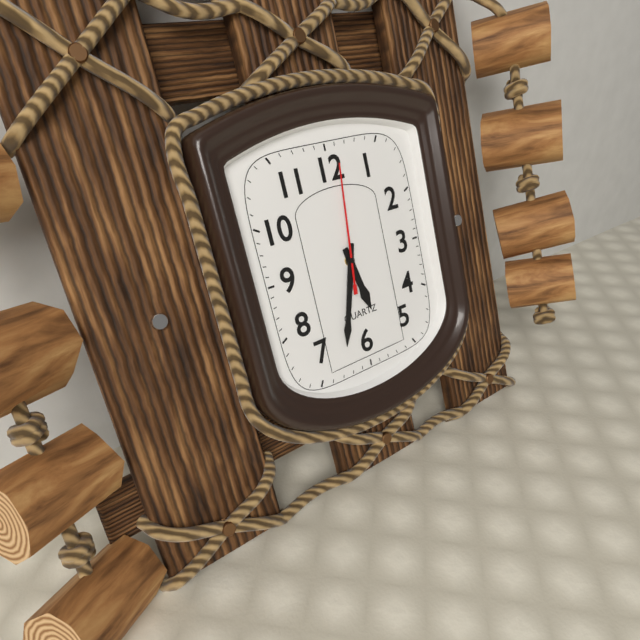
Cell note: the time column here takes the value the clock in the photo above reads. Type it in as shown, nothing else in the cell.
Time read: 5:33:01
